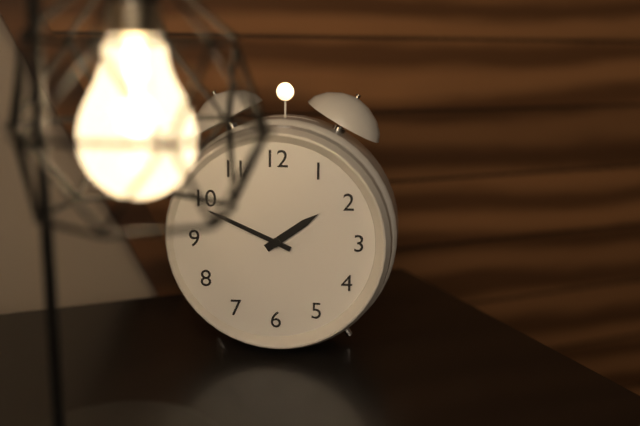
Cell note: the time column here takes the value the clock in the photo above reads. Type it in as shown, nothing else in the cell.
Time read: 1:49
